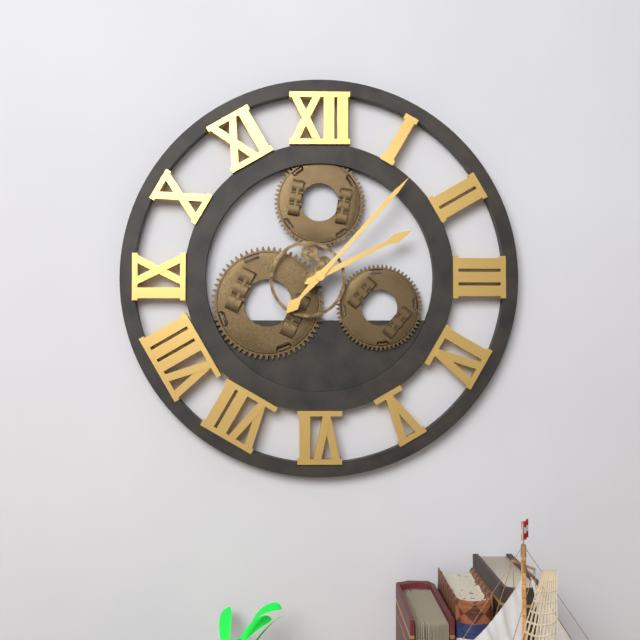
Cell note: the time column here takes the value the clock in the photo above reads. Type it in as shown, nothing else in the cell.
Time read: 2:07
